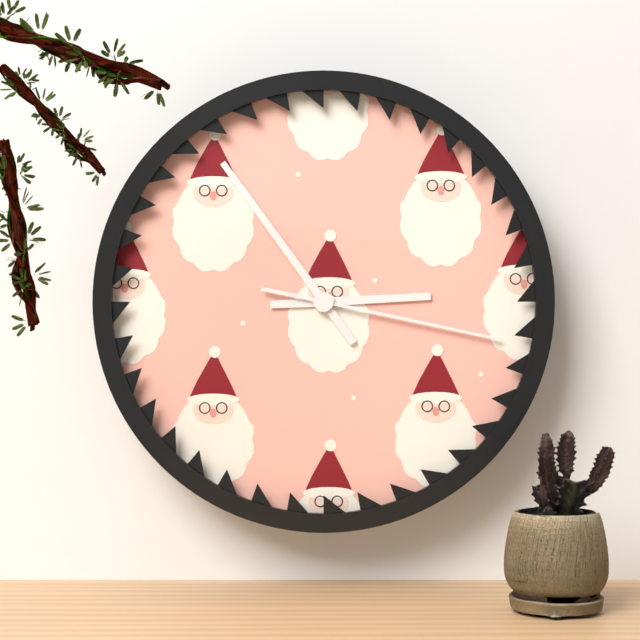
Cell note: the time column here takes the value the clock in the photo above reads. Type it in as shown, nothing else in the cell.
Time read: 2:54:17
